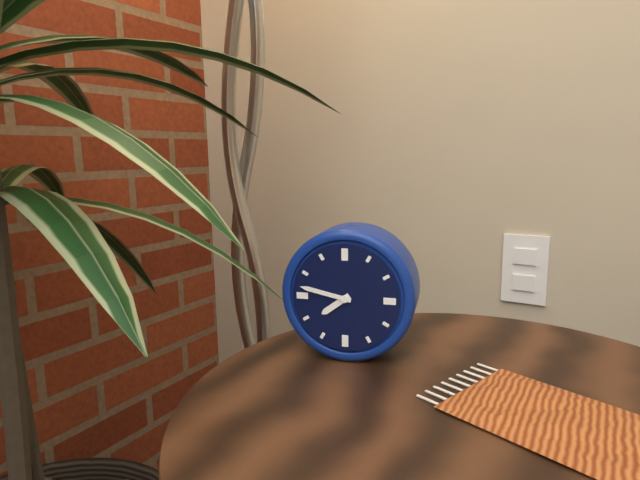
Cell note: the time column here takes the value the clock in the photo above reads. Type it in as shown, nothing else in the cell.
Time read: 7:47
